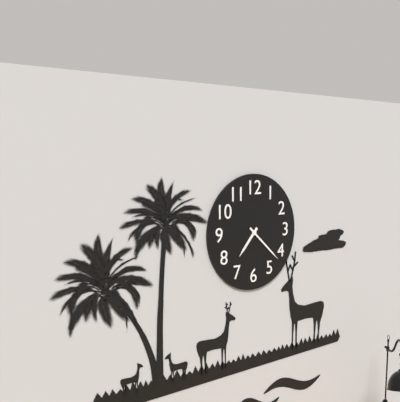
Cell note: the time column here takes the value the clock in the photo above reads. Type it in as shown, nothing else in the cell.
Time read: 7:22
